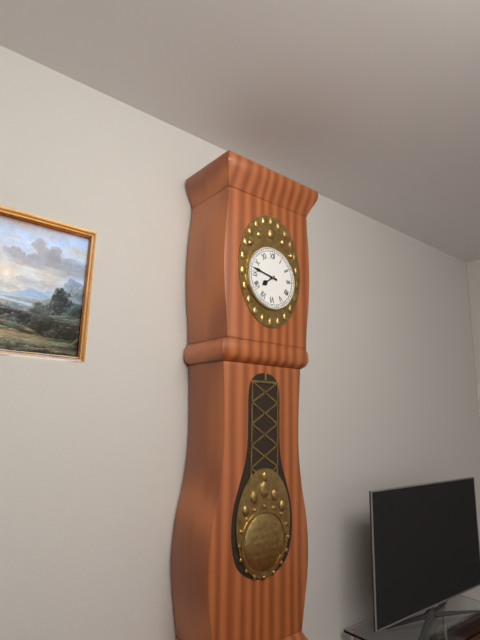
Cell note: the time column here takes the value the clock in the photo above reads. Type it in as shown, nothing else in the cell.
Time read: 7:47
